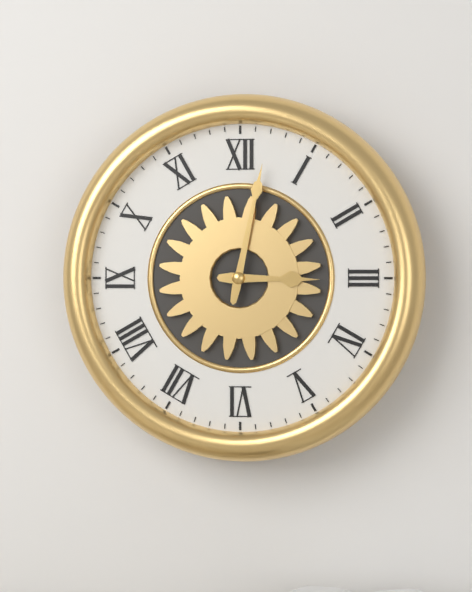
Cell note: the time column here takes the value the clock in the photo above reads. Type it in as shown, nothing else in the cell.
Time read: 3:02
